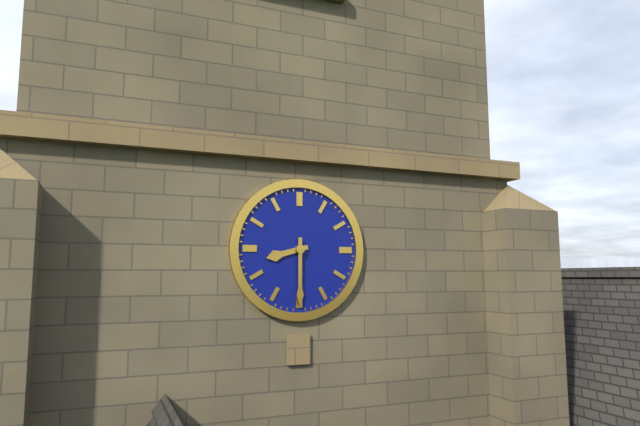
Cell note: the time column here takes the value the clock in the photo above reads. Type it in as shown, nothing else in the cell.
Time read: 8:30
